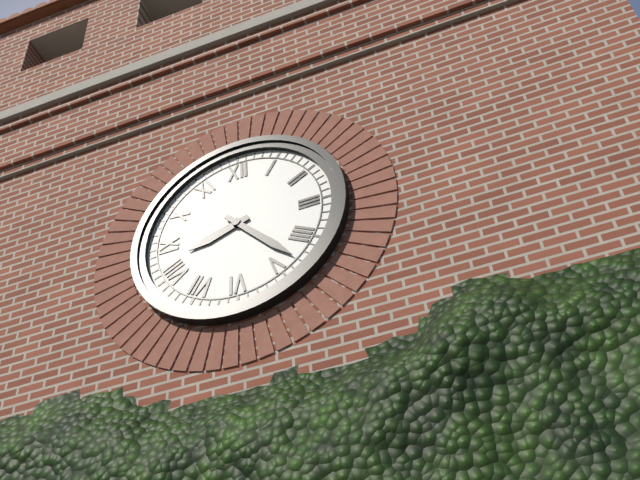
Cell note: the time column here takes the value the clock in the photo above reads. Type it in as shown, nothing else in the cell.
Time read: 8:23
